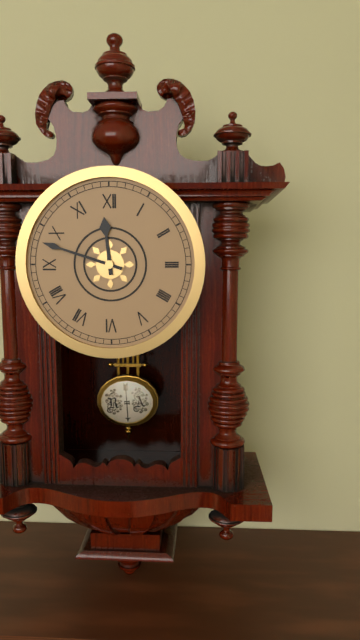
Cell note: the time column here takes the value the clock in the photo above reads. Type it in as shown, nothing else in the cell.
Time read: 11:48
